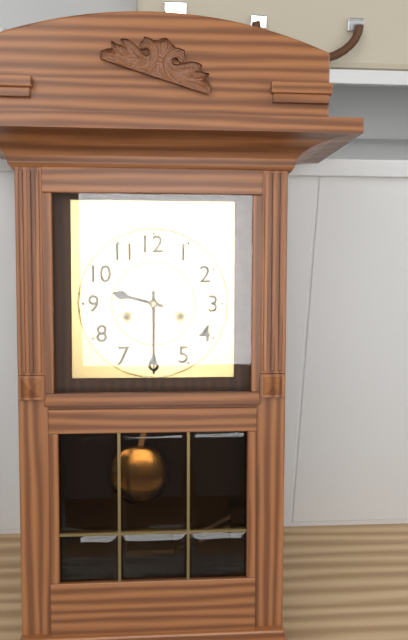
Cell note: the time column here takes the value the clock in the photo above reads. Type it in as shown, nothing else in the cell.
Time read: 9:30
